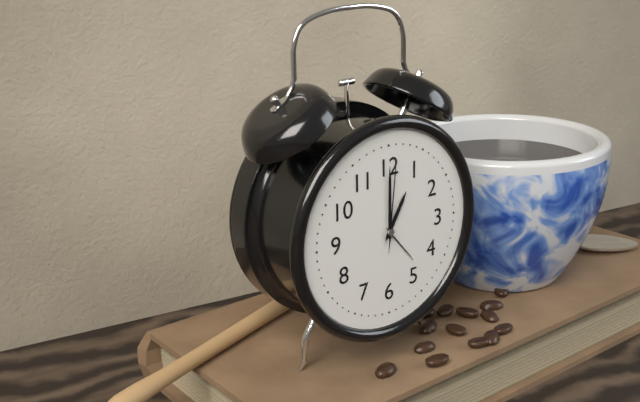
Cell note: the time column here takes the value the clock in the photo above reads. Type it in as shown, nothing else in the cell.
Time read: 1:00:01
